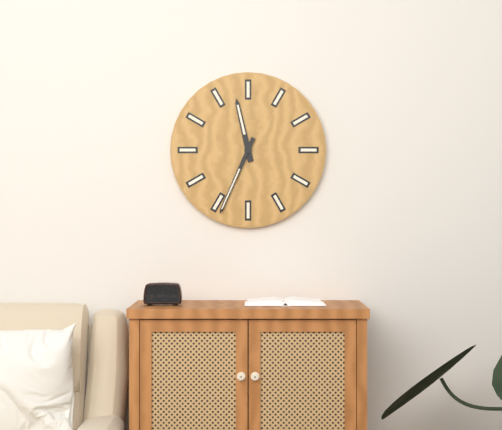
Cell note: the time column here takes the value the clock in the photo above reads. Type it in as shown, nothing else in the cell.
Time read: 11:34
